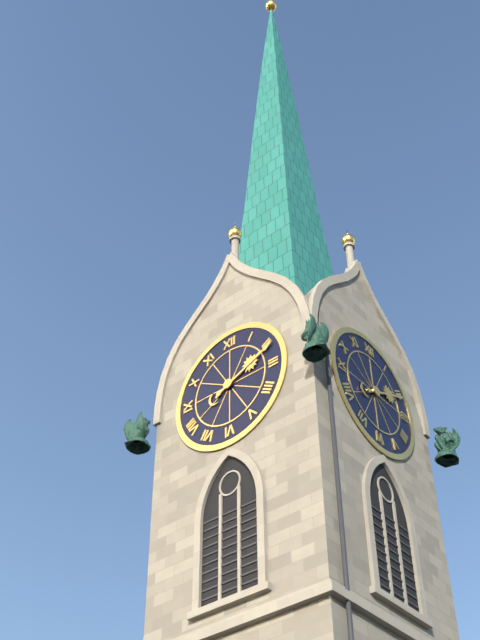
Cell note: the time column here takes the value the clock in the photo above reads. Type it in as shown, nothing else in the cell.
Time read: 2:11
